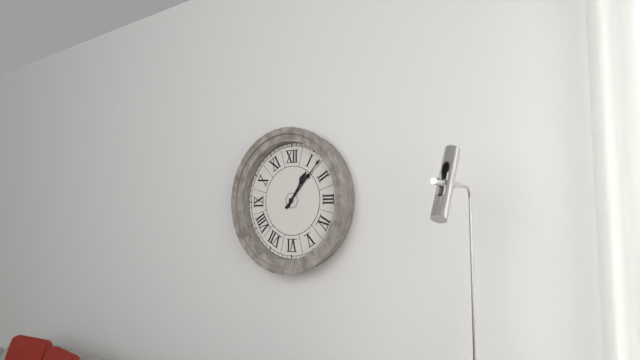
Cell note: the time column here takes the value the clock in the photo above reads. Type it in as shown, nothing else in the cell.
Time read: 1:07
